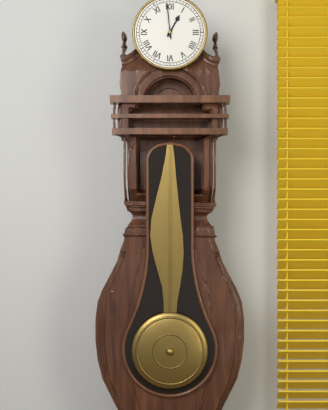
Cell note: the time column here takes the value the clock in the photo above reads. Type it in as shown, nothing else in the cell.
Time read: 12:59
